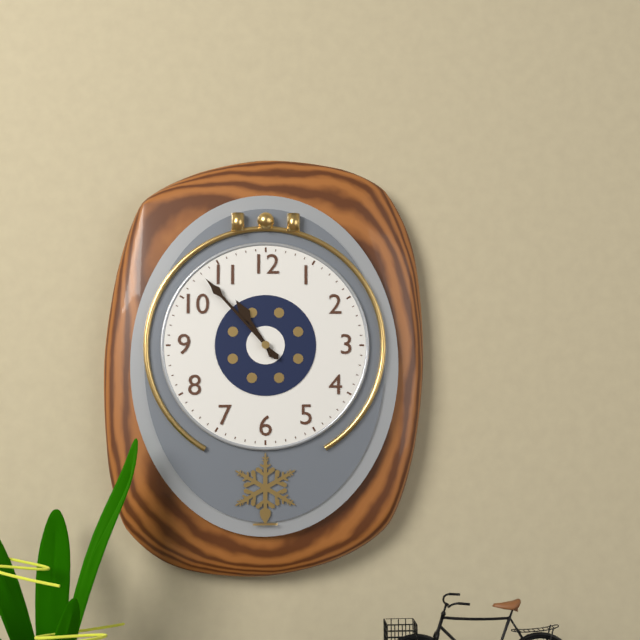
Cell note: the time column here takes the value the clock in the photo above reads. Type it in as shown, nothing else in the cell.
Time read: 10:53
